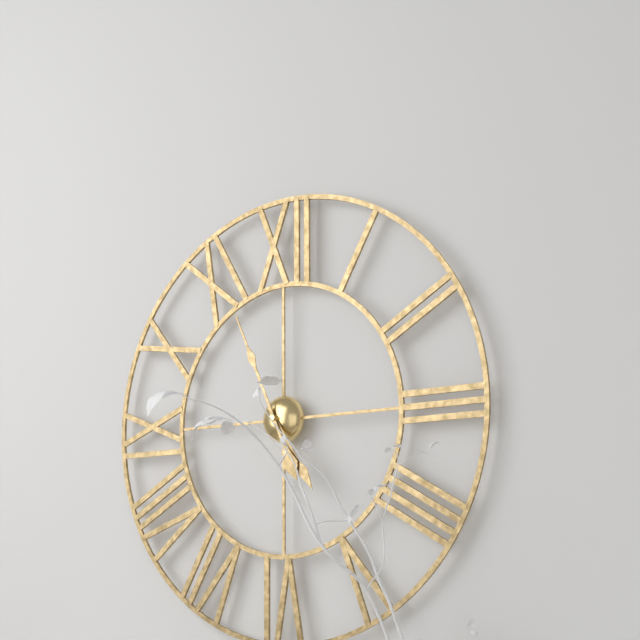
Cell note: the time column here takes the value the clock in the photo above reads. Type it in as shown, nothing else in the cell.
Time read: 4:56
